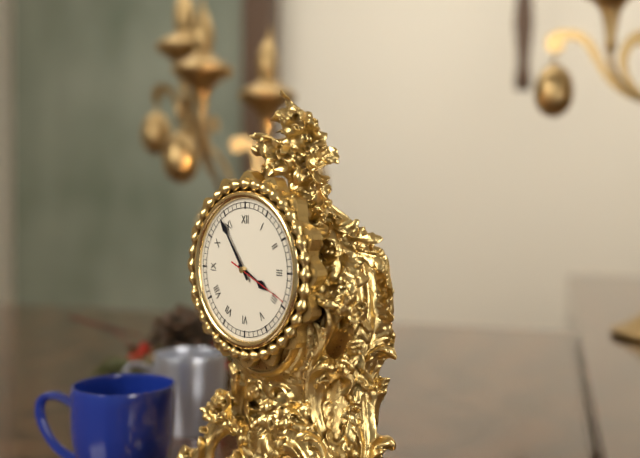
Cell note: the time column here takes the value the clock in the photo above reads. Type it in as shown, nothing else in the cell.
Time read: 3:54:19
